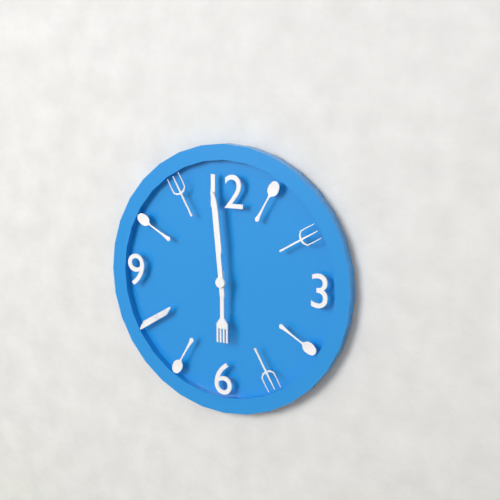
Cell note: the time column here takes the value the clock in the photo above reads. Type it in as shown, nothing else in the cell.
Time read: 5:59
